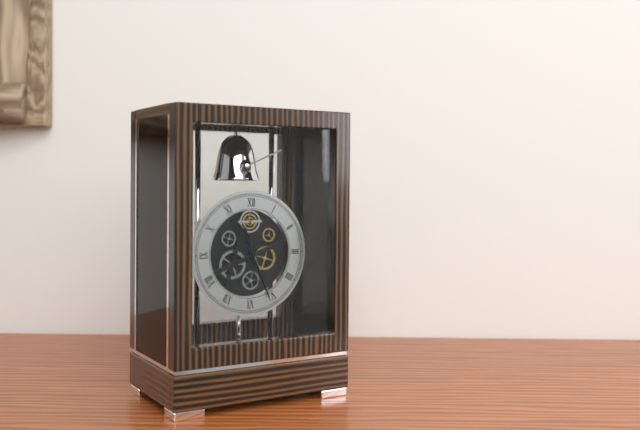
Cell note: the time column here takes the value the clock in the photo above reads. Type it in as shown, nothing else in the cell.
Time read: 11:26
